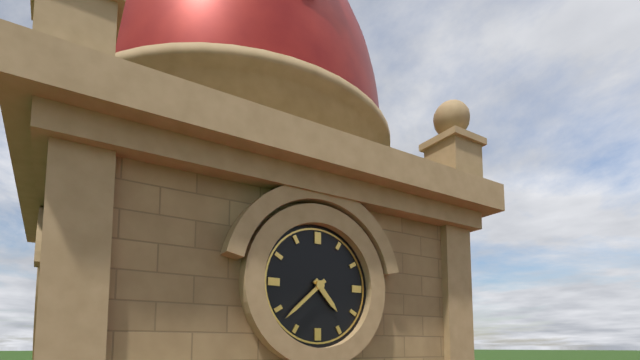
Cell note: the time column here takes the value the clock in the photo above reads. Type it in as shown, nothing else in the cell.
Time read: 4:38
